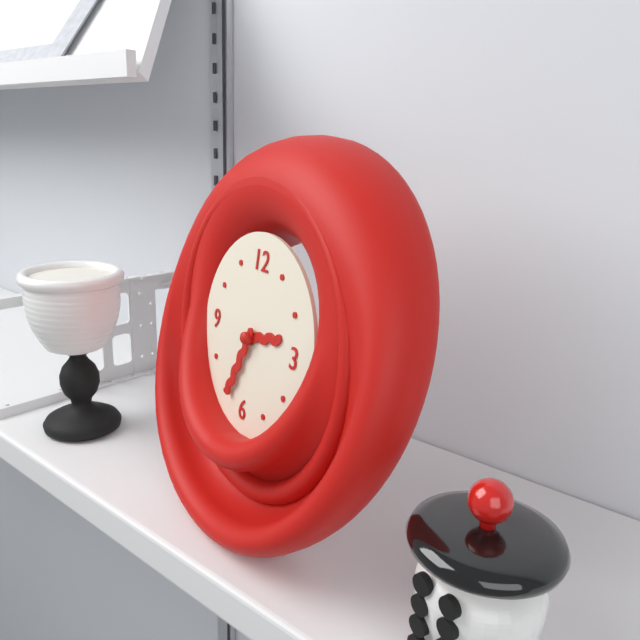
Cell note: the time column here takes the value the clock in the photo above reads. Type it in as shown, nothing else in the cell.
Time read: 2:34
